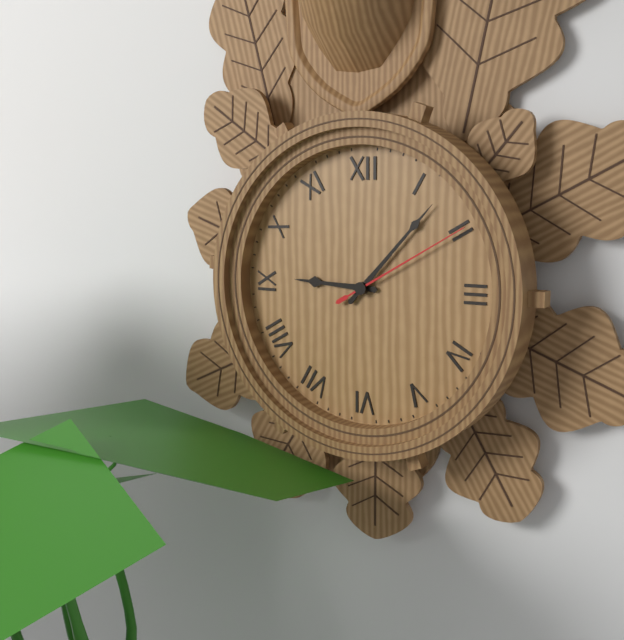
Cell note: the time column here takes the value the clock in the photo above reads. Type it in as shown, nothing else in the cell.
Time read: 9:07:10
